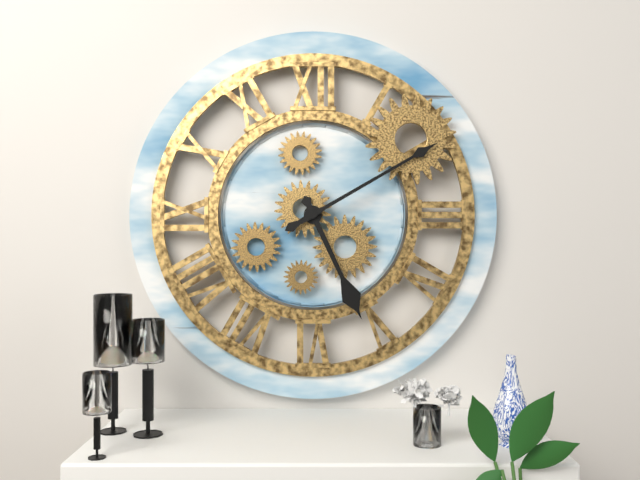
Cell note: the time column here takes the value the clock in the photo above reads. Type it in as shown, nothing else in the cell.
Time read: 5:10
